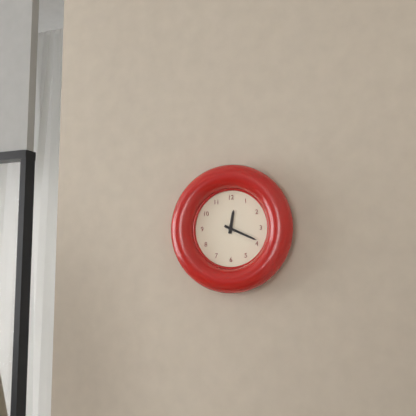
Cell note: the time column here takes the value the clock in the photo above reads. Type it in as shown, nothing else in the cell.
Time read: 12:19
